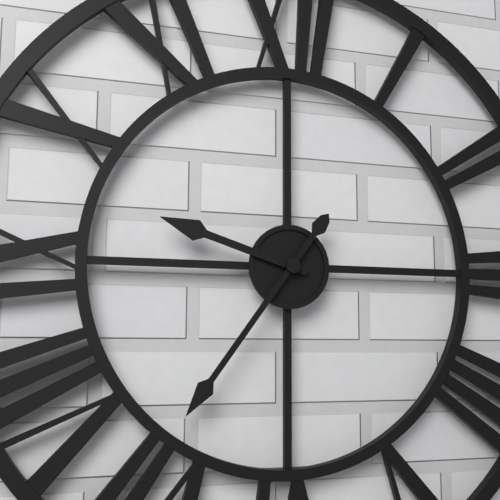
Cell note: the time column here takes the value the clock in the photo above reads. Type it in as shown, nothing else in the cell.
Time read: 9:36
